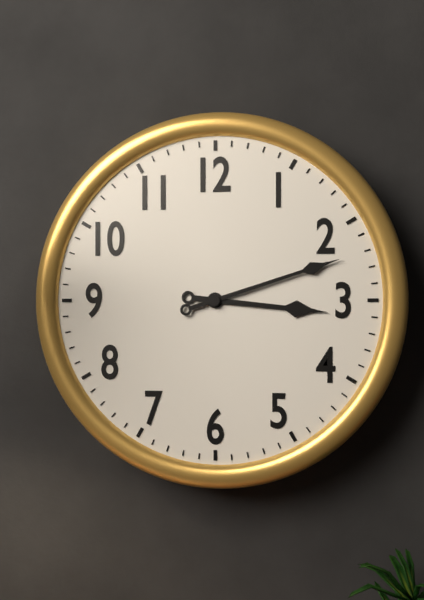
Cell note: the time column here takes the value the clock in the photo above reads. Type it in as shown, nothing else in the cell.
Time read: 3:12
